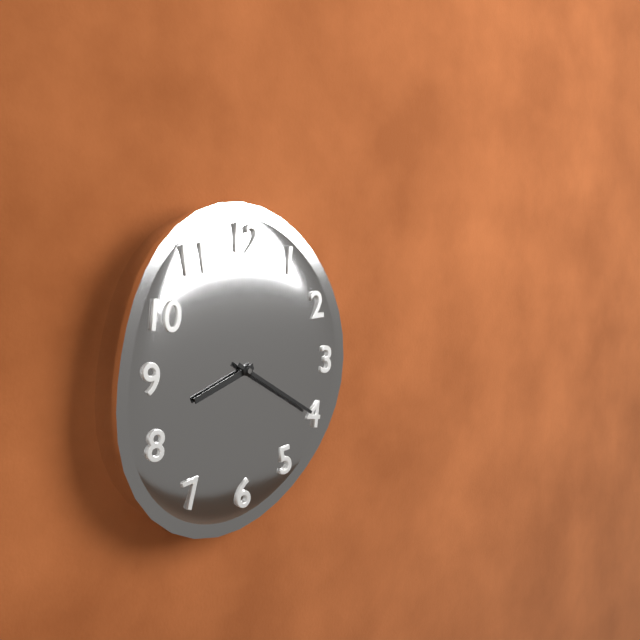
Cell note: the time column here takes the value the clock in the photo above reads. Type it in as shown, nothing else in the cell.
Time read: 8:20
